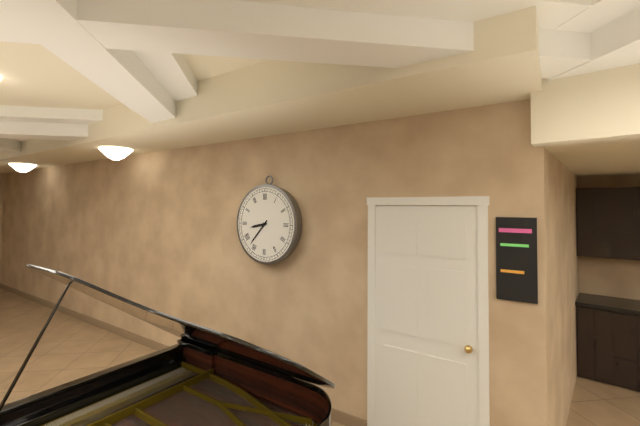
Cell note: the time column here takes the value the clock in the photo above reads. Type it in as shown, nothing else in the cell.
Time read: 8:37
